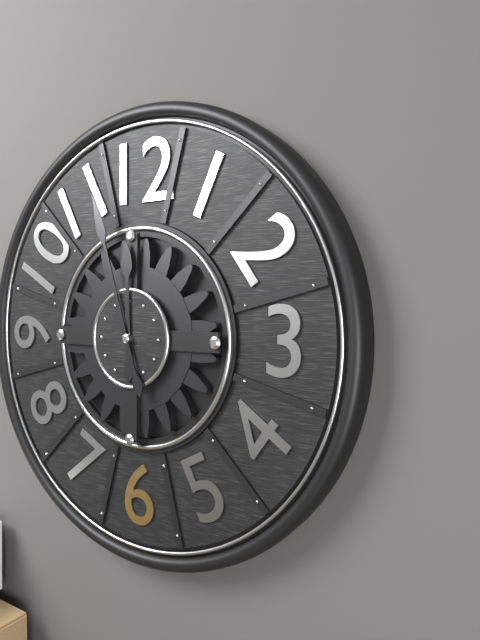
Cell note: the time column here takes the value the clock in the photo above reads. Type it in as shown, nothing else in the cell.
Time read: 11:57
